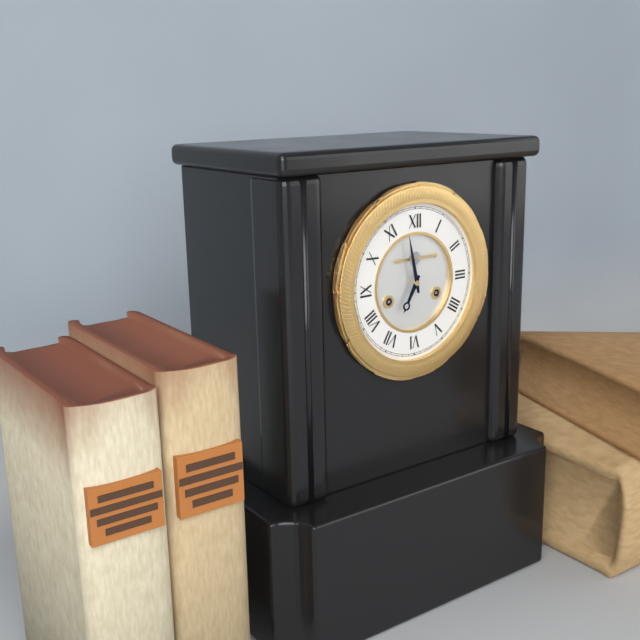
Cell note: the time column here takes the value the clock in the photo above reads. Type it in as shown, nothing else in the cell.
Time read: 6:58
